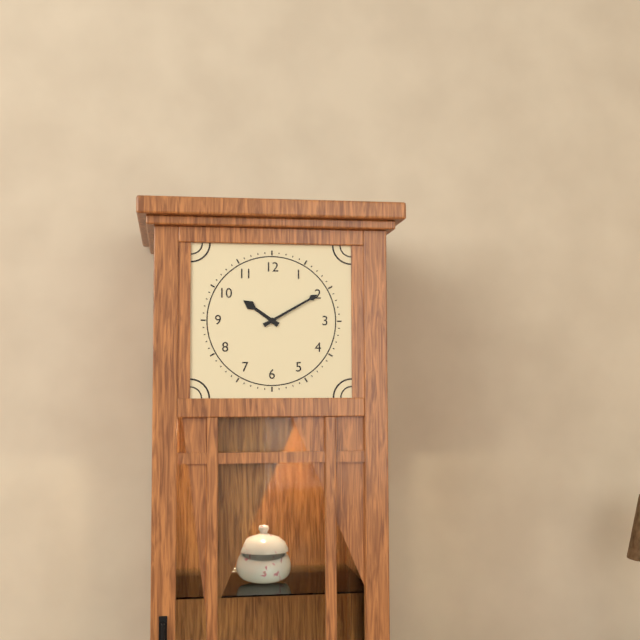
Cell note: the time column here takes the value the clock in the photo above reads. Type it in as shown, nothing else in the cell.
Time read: 10:10
